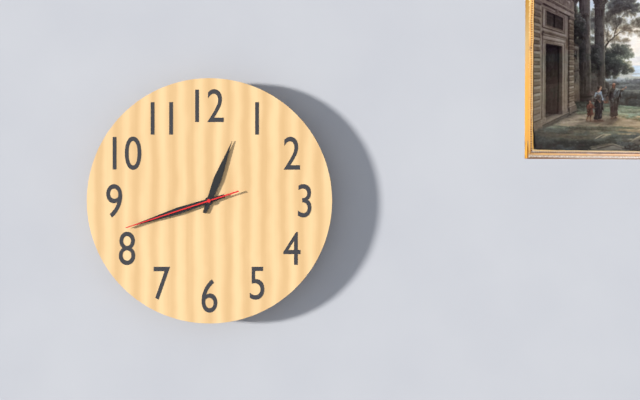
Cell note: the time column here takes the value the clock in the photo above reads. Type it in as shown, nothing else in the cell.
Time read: 12:42:42
